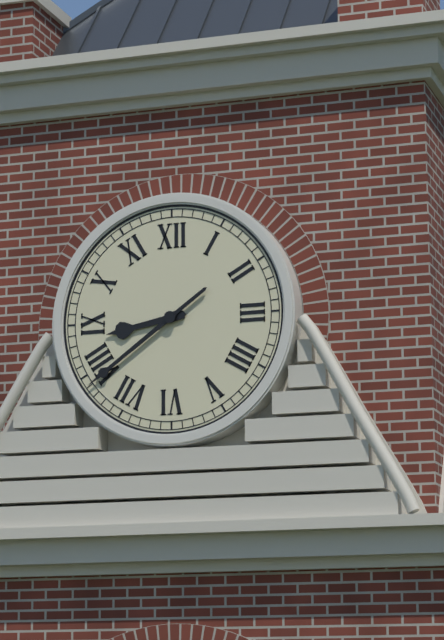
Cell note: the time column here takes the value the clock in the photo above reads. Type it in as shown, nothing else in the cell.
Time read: 8:39
